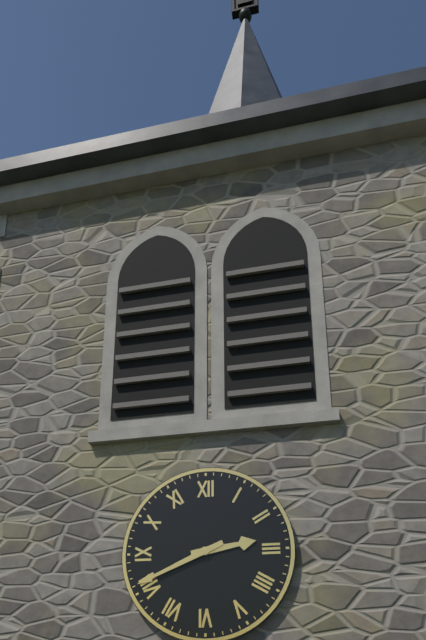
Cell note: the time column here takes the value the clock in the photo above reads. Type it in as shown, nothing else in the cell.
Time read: 2:41
